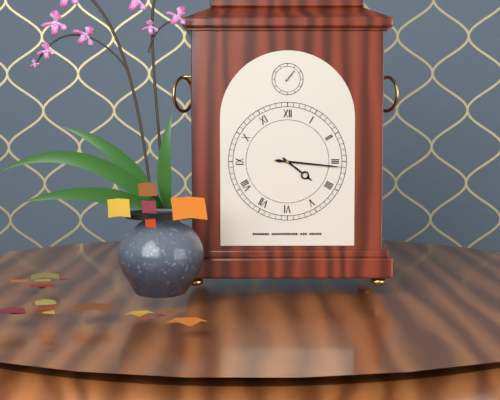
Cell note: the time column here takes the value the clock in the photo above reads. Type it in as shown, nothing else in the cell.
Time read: 4:16
